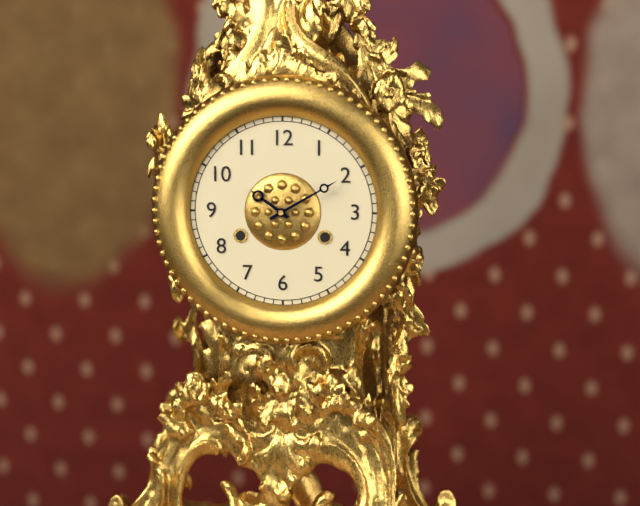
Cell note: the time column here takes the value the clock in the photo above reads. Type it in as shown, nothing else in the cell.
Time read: 10:10
